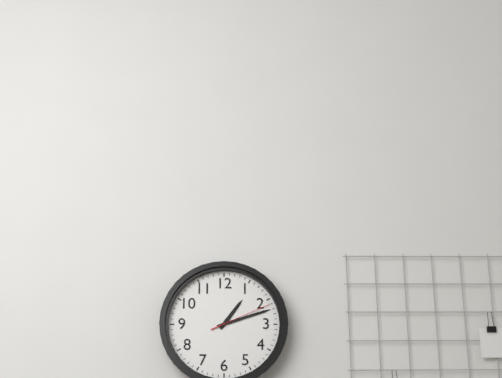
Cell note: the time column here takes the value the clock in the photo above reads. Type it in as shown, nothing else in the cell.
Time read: 1:12:11
